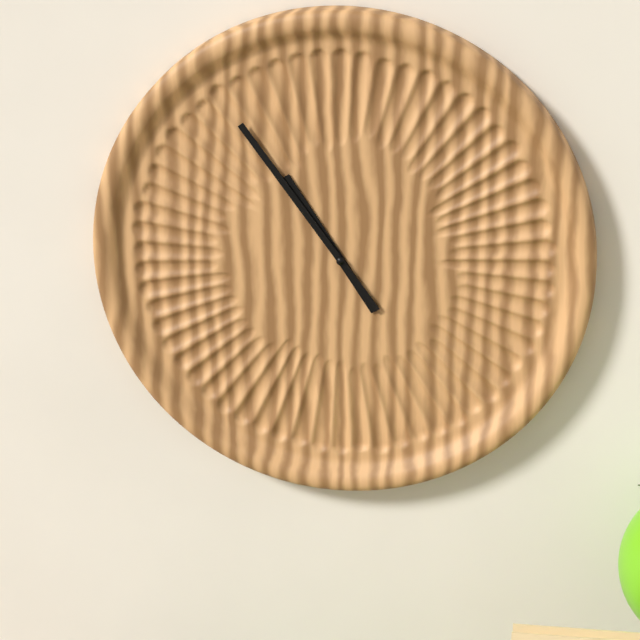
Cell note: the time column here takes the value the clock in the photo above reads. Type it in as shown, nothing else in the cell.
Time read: 10:54
